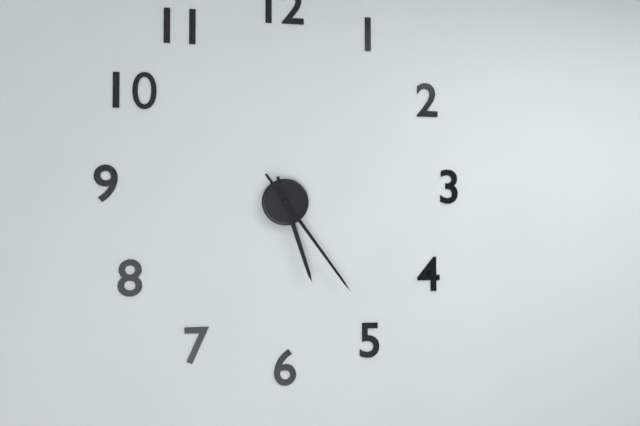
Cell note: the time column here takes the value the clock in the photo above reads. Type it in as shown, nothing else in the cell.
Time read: 5:24
